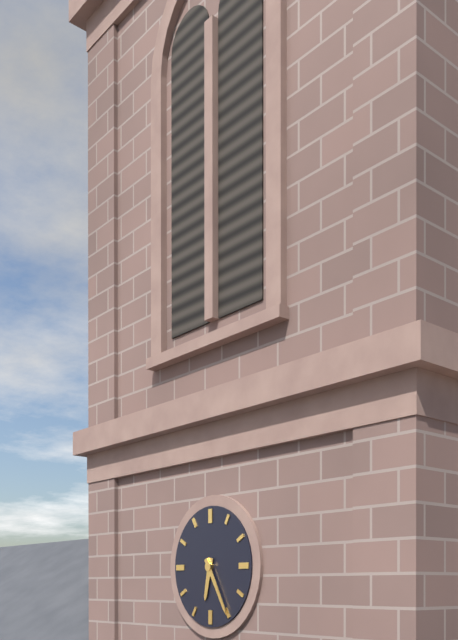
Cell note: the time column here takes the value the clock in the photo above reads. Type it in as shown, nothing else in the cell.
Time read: 6:25
